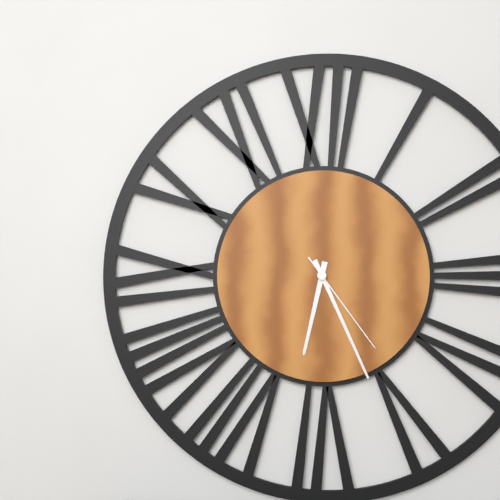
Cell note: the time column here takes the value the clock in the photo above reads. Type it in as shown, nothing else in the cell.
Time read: 6:26:24
